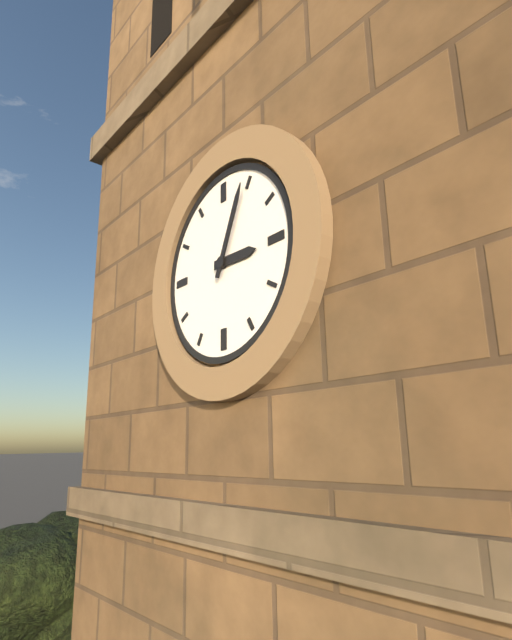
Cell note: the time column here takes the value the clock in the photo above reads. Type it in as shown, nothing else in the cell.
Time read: 3:04
